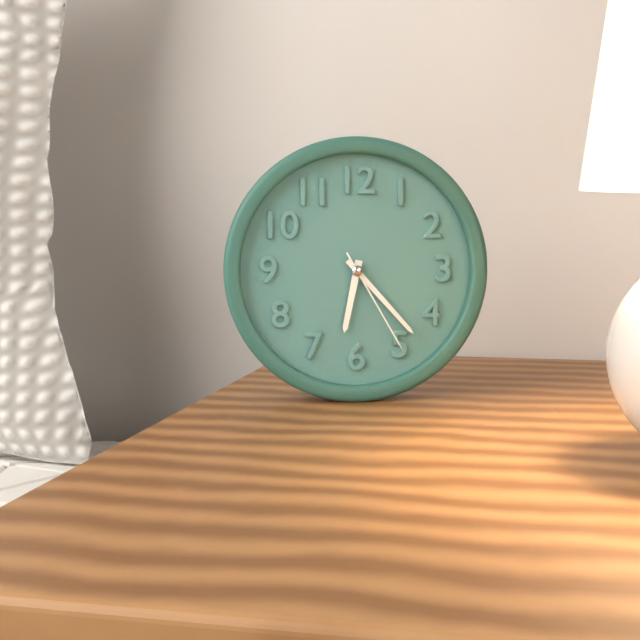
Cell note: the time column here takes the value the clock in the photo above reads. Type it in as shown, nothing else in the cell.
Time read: 6:23:25
